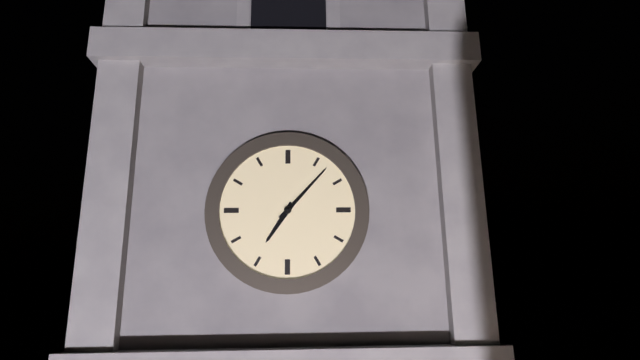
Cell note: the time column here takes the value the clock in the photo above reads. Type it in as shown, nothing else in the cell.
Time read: 7:07
